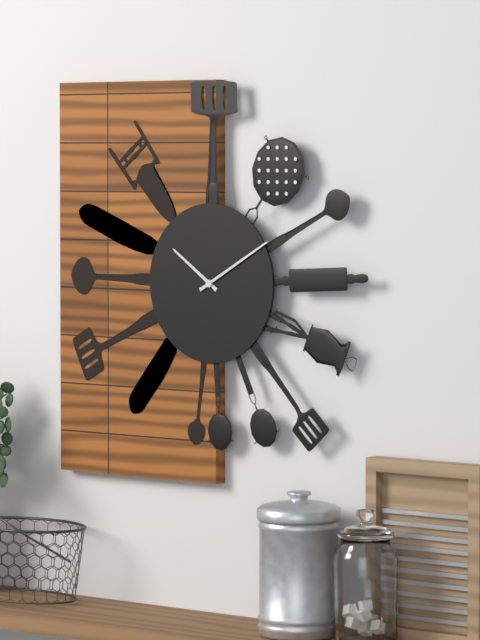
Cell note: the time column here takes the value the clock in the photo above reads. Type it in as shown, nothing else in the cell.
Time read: 10:10
